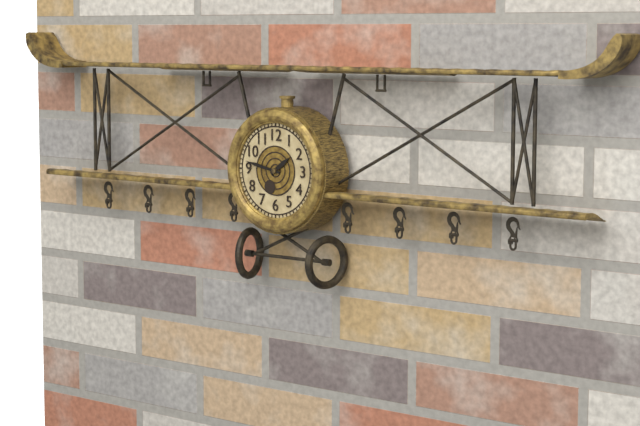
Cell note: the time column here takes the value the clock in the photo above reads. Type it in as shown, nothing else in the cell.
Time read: 1:47
